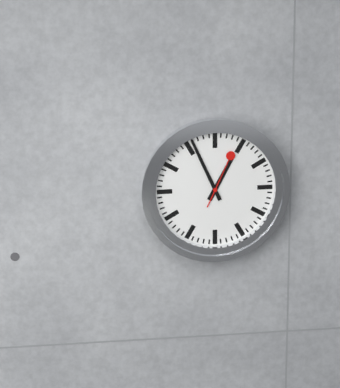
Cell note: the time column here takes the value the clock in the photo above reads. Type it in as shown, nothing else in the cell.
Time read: 12:56:04
